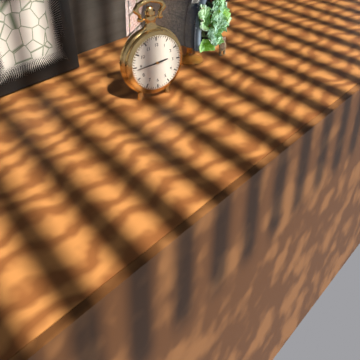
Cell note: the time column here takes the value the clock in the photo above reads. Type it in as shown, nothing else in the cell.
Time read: 2:44
